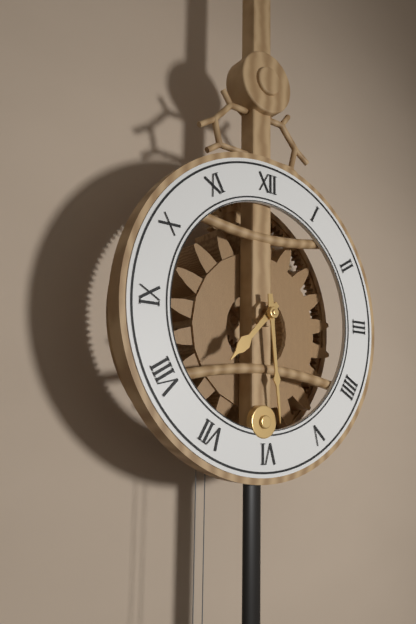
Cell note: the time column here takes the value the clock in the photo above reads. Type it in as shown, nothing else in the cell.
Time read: 7:29
